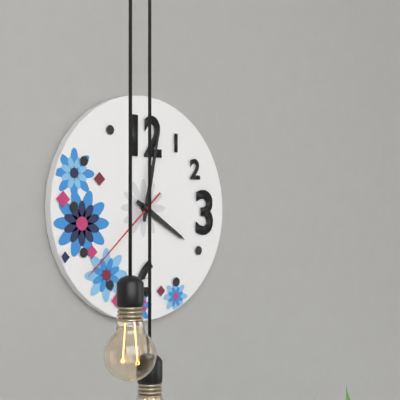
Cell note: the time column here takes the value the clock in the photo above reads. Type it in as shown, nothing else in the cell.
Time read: 4:02:38
